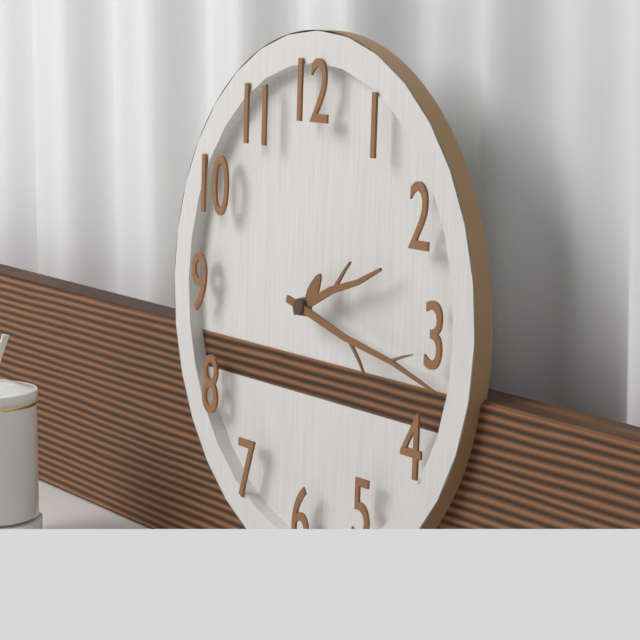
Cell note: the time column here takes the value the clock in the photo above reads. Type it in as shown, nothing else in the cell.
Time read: 2:17
